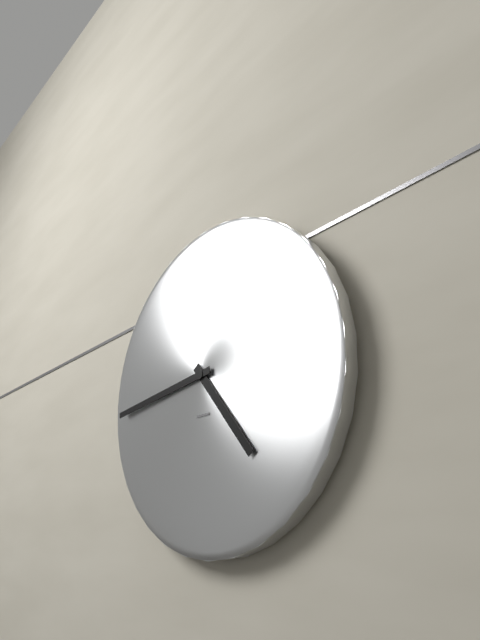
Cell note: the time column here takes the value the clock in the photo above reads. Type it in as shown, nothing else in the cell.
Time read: 4:44
